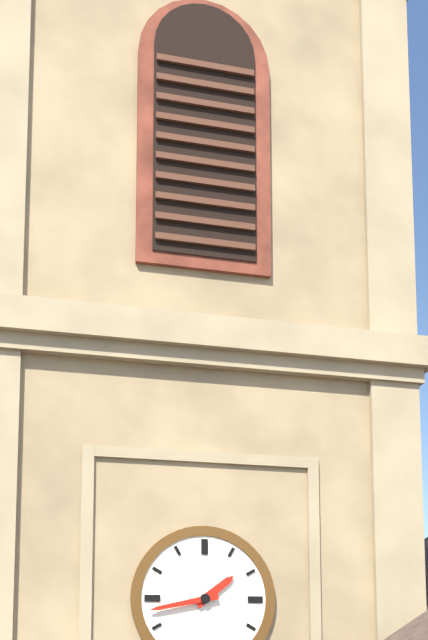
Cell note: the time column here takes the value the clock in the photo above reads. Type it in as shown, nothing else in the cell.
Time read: 1:43
